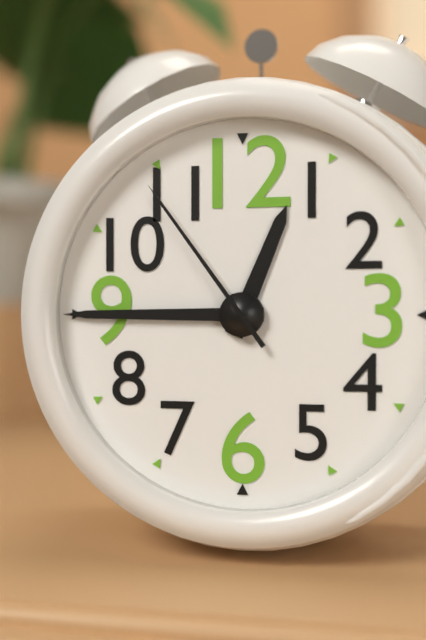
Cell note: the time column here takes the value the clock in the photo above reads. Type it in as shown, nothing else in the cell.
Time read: 12:45:54
